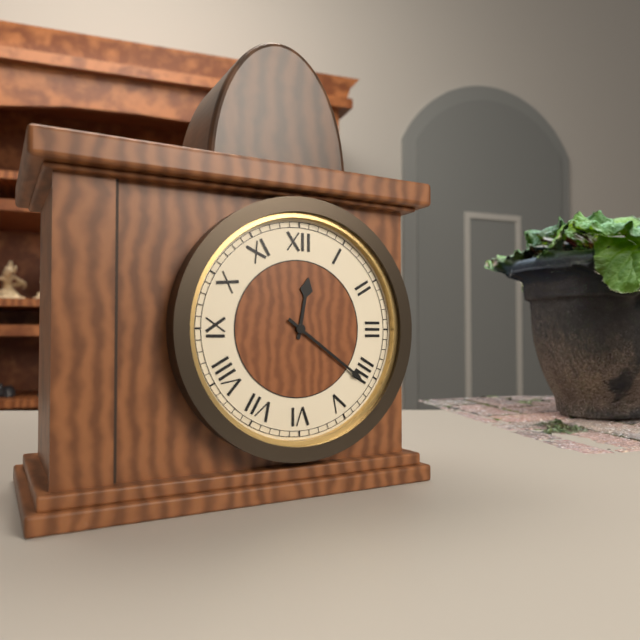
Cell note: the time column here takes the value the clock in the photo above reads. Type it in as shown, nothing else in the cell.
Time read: 12:21
